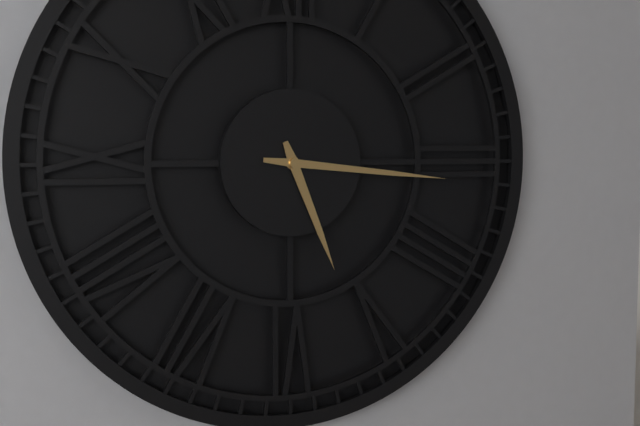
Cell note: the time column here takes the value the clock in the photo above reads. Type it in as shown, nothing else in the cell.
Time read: 5:16
